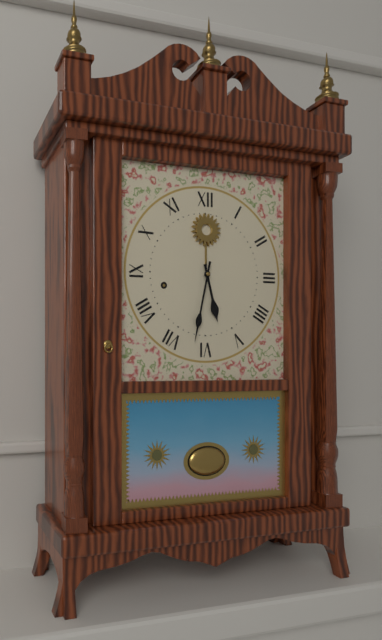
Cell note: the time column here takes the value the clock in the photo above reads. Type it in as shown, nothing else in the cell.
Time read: 5:32
